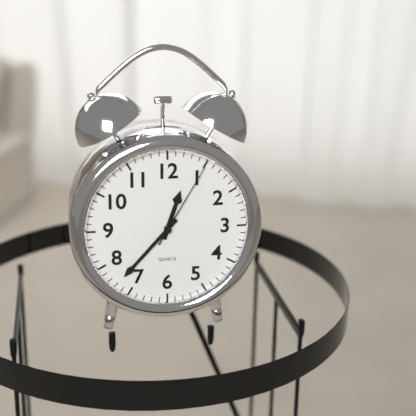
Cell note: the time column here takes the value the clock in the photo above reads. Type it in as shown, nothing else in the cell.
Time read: 12:37:05
